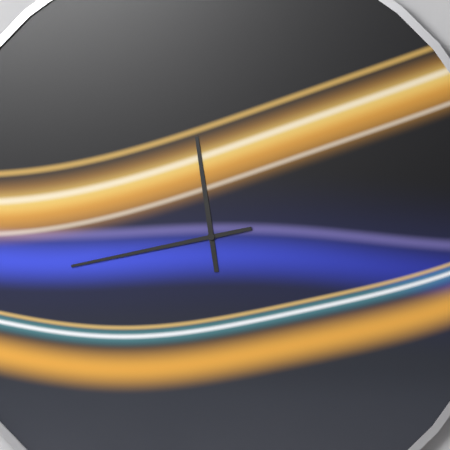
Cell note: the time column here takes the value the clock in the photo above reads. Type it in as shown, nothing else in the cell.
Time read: 11:43
